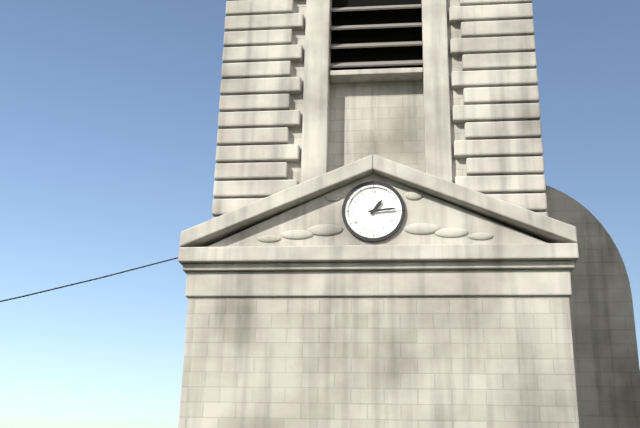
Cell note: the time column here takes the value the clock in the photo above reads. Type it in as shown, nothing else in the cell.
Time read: 1:14
